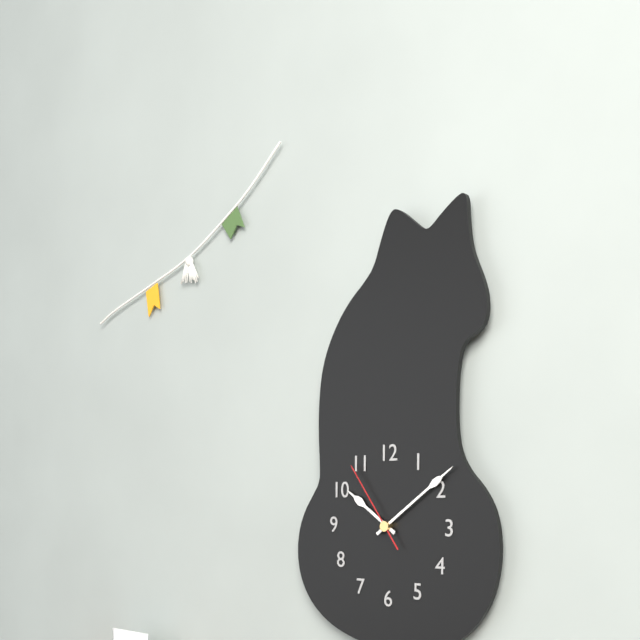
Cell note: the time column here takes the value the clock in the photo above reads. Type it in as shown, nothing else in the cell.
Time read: 10:09:54
